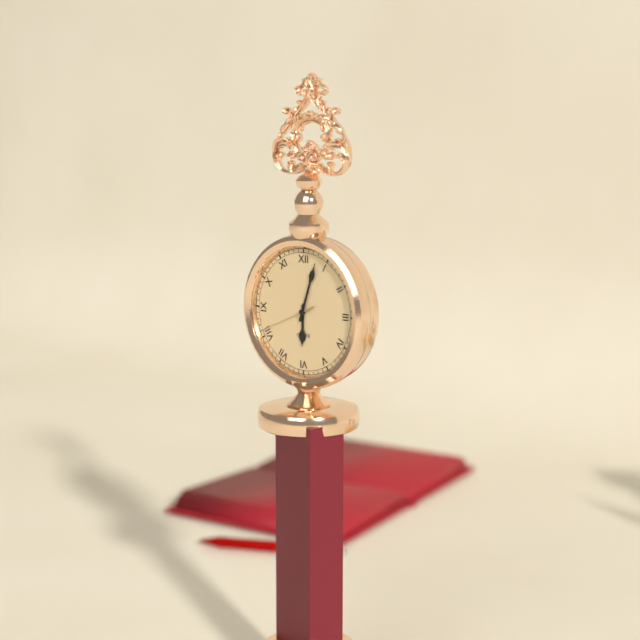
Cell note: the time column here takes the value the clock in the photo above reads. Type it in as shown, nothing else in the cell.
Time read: 6:03:41
